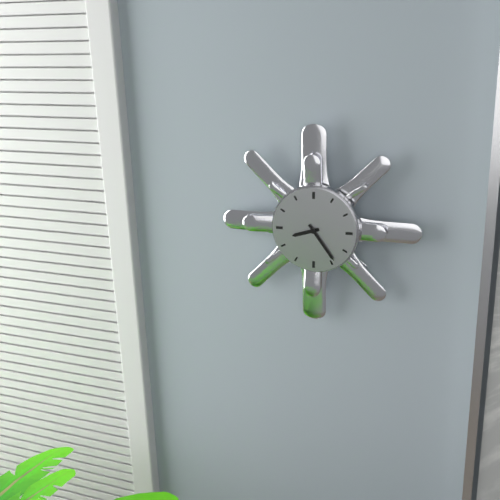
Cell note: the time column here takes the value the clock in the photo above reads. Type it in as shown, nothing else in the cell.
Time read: 8:24
